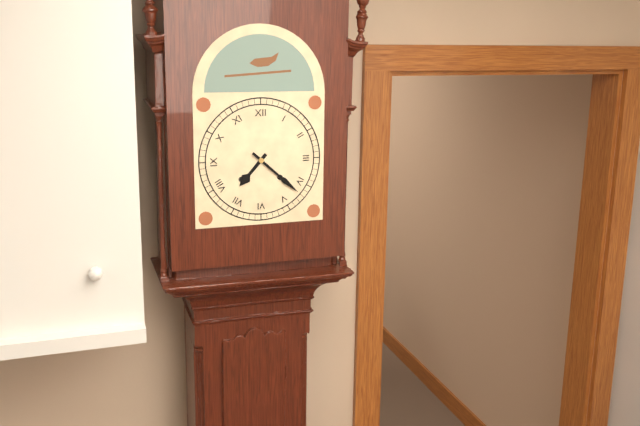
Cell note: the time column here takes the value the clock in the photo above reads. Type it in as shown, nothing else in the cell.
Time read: 7:22
